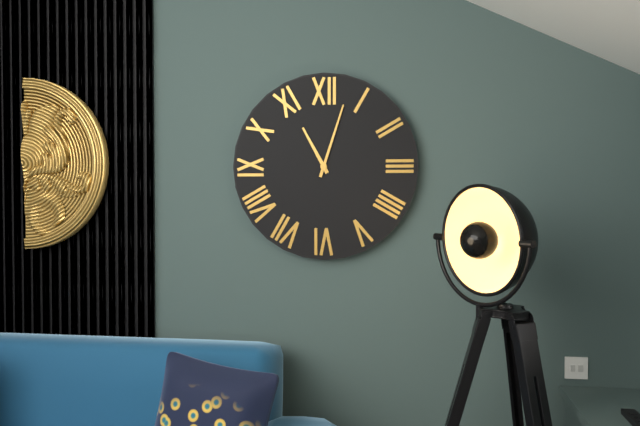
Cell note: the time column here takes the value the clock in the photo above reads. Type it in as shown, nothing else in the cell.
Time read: 11:03
